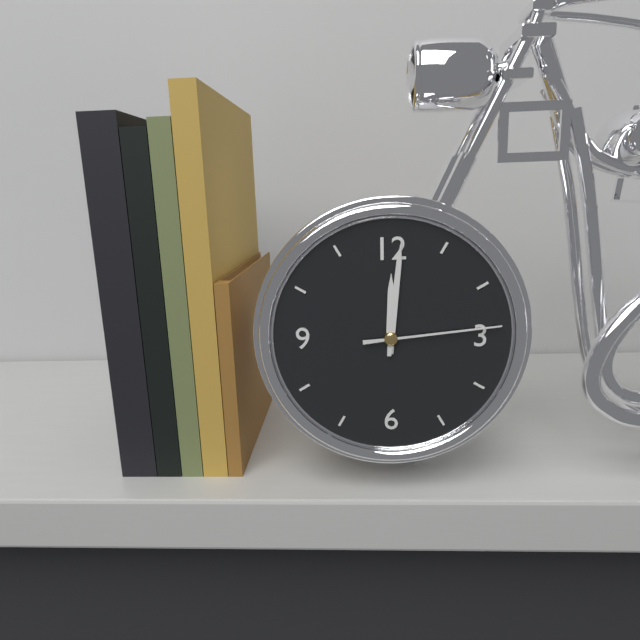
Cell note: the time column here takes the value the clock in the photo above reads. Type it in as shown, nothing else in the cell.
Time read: 12:01:14
